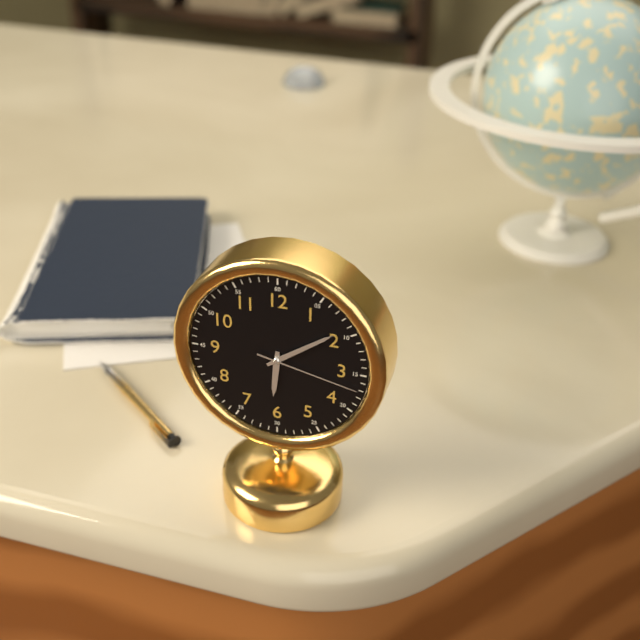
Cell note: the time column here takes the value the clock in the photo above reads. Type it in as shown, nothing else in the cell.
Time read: 6:09:17
